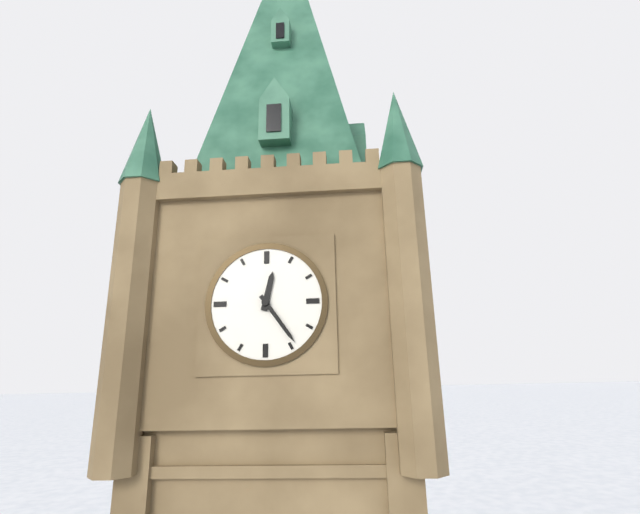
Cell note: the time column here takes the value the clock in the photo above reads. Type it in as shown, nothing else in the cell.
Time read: 12:24
